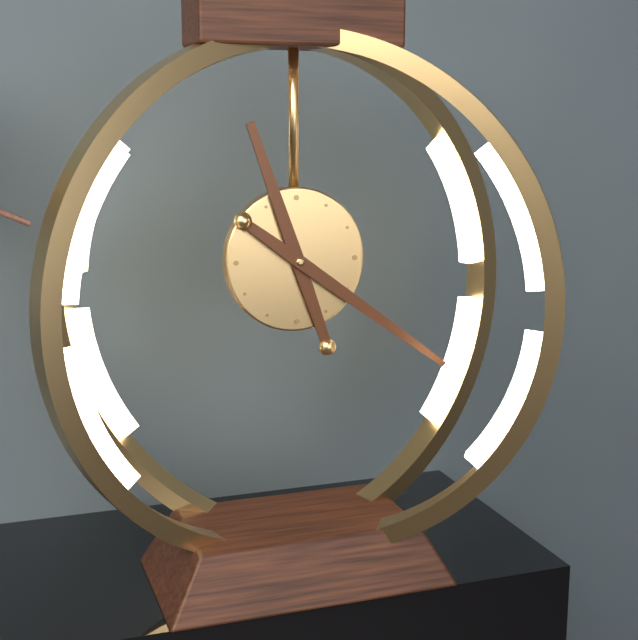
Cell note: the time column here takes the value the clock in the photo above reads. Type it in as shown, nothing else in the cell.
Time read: 11:21
